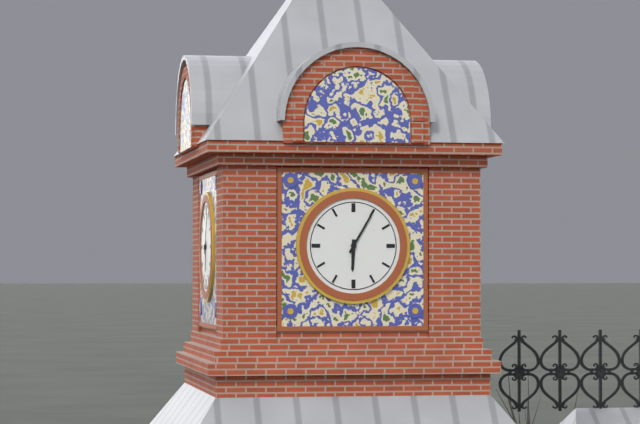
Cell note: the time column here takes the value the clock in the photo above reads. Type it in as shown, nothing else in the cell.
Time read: 6:05
